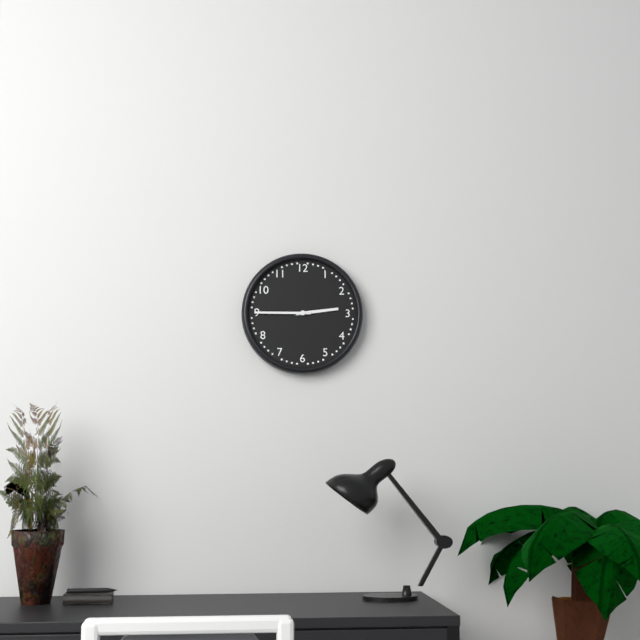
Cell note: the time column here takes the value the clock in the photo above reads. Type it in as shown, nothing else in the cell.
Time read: 2:45
